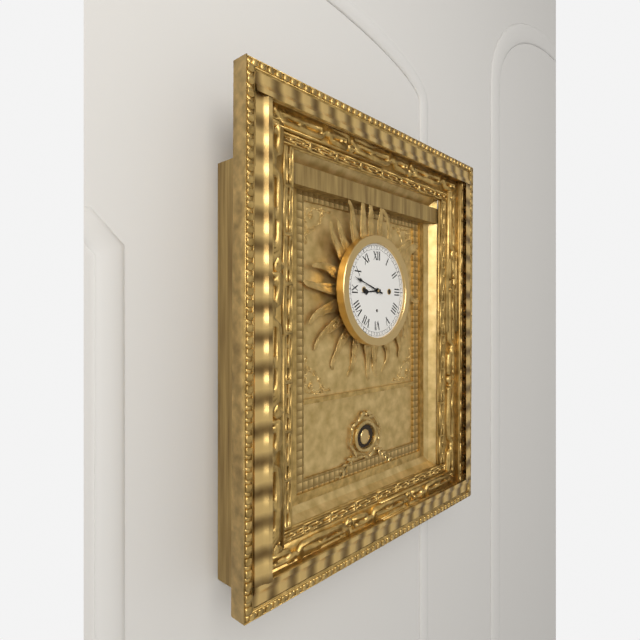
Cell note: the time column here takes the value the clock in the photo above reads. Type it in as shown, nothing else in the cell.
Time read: 8:48
